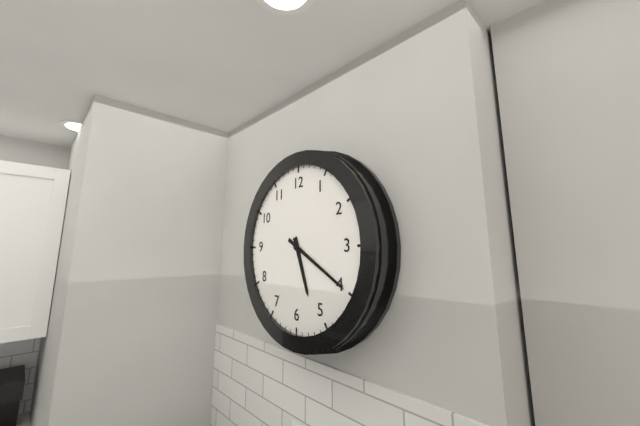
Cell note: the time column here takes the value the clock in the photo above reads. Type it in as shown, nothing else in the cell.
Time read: 5:20
